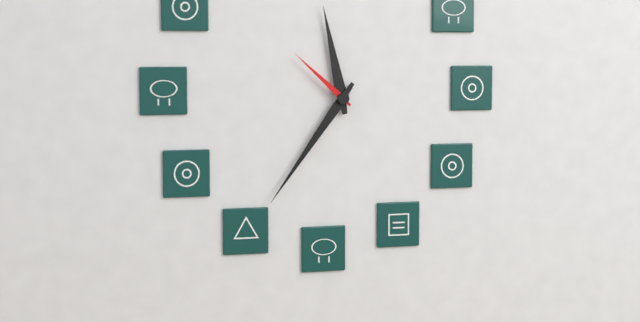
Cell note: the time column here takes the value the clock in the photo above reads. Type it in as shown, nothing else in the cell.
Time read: 11:36:52
